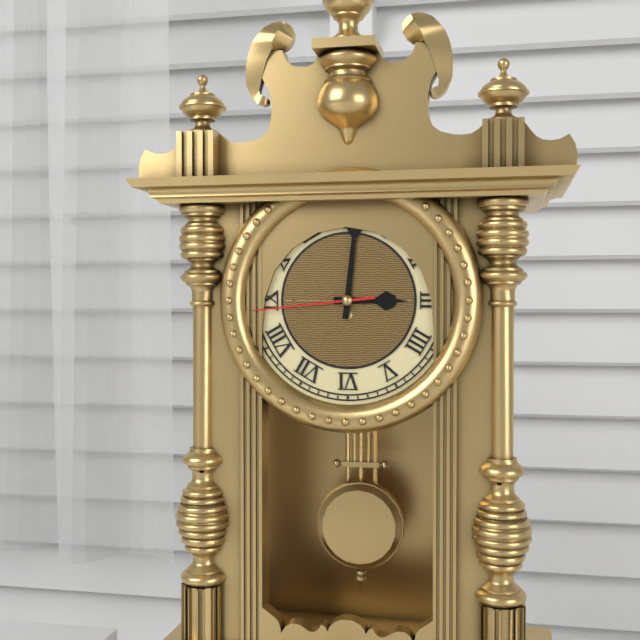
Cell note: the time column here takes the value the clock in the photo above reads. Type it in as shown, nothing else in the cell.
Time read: 3:01:44
